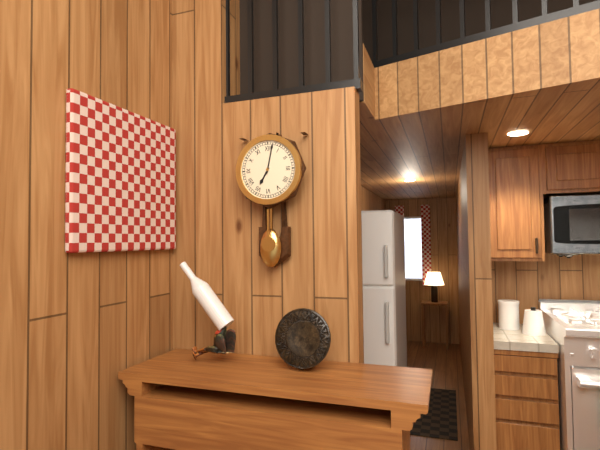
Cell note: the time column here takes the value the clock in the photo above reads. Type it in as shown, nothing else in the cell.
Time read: 7:02
